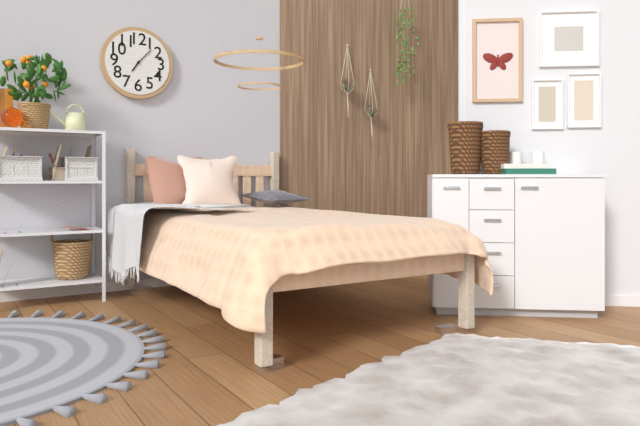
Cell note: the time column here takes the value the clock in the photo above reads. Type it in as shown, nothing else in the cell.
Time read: 7:07
